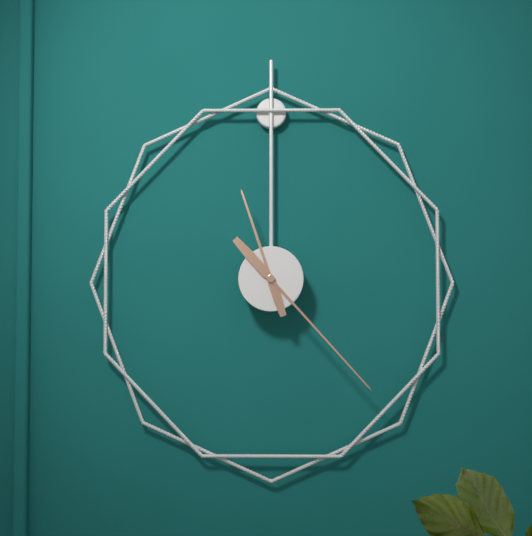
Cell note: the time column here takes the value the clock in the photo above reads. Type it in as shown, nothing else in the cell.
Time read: 11:23
